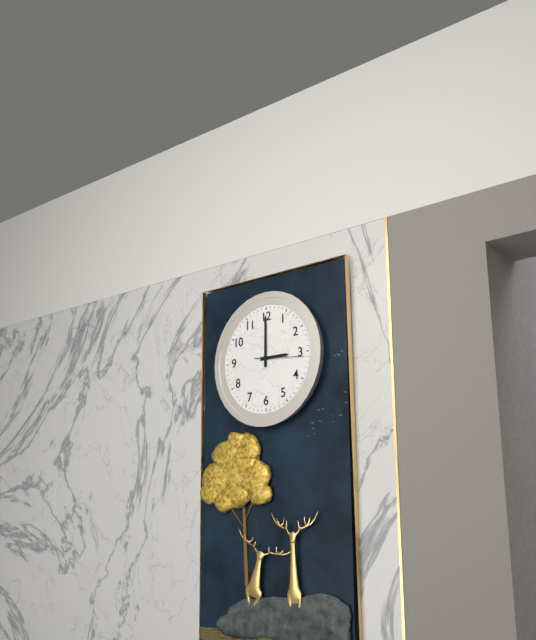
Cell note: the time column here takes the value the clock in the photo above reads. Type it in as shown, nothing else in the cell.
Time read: 3:00
